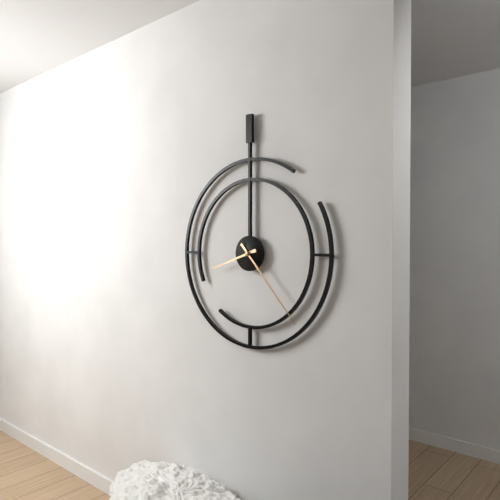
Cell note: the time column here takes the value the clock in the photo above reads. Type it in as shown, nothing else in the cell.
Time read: 8:23
